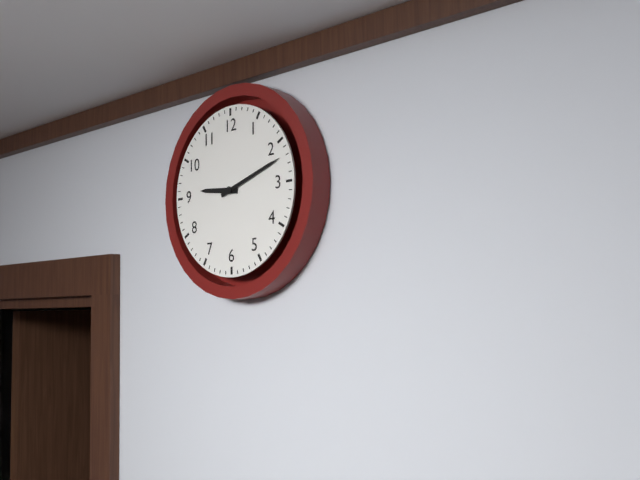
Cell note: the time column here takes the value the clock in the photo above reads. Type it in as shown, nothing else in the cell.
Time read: 9:12
